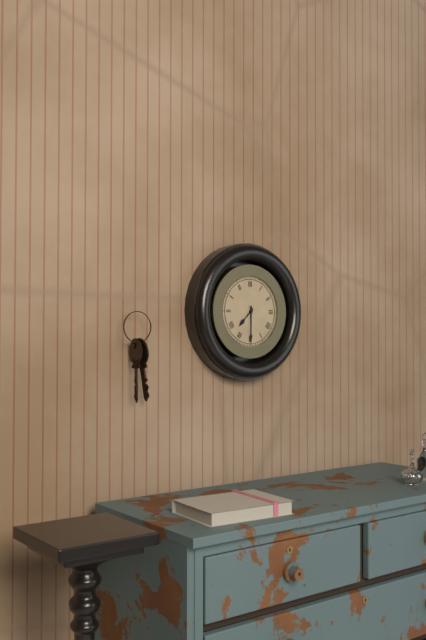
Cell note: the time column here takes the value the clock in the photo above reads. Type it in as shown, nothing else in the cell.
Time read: 7:30
